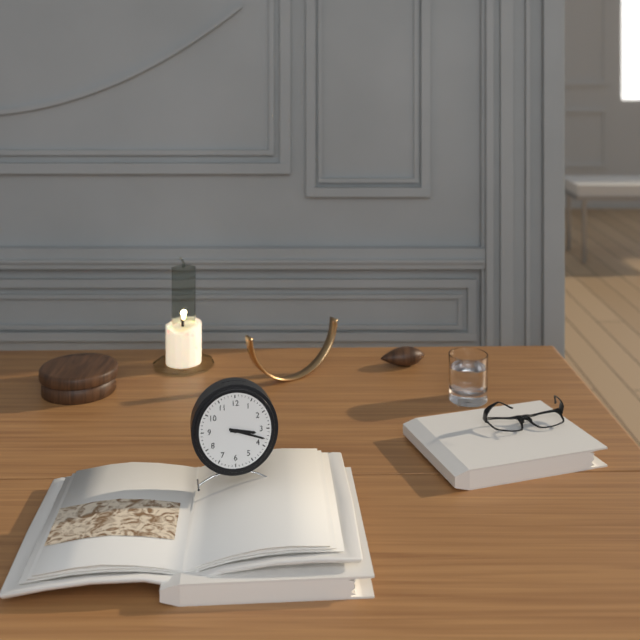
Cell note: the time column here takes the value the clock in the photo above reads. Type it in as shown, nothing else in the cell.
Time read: 3:18
